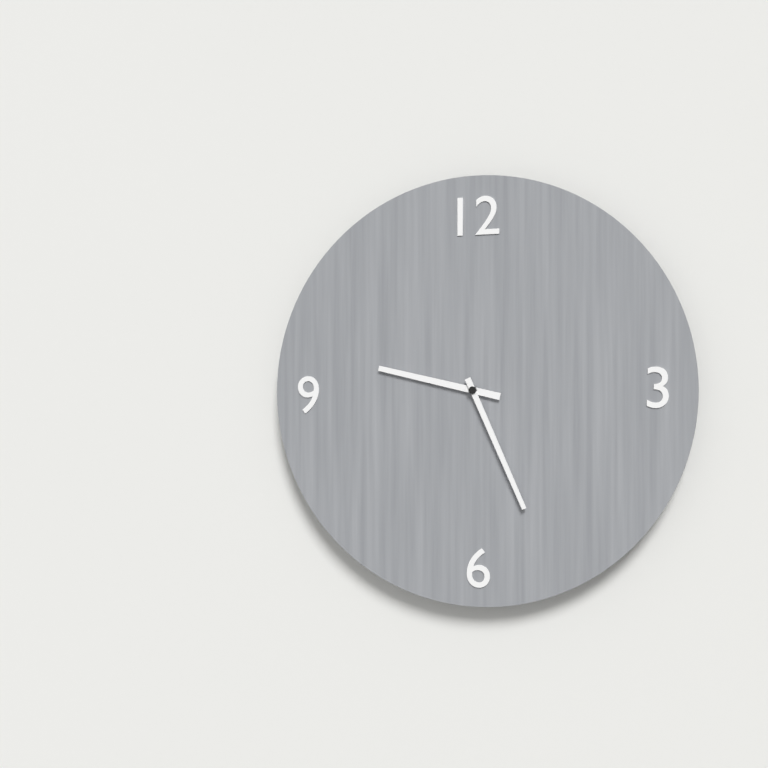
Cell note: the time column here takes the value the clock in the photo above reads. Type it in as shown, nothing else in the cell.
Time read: 9:26
